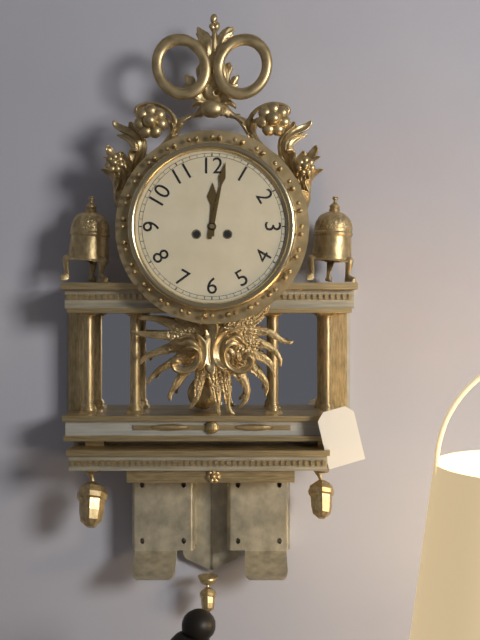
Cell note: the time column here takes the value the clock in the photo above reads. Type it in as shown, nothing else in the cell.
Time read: 12:02
